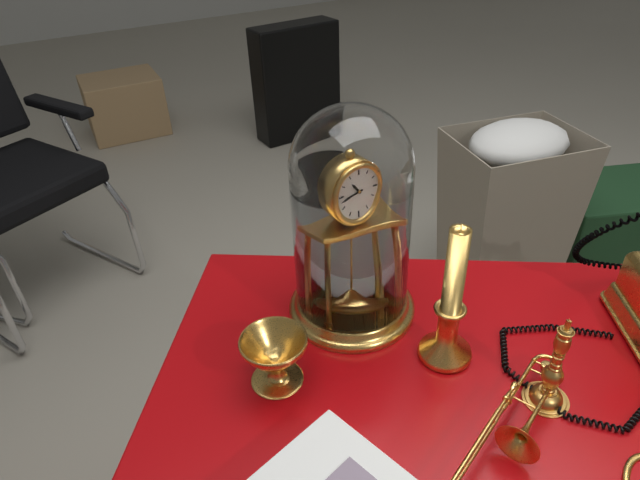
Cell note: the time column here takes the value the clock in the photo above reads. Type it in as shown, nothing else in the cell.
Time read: 10:43
